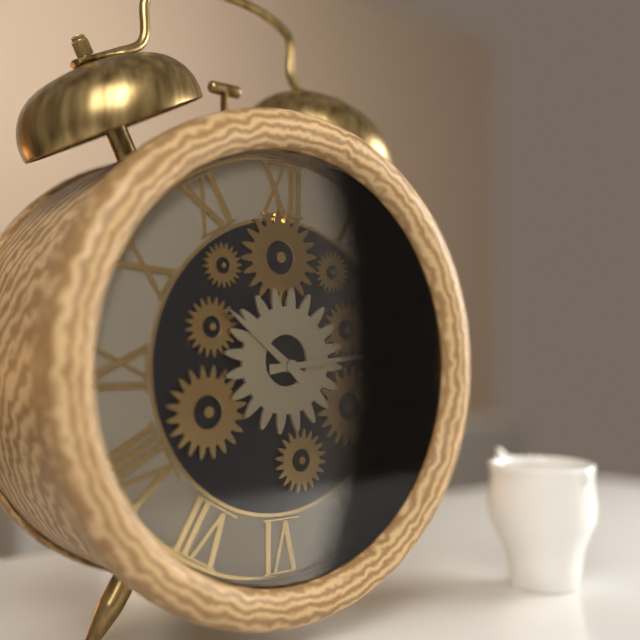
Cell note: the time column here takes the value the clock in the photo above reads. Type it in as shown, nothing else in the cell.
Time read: 10:14
